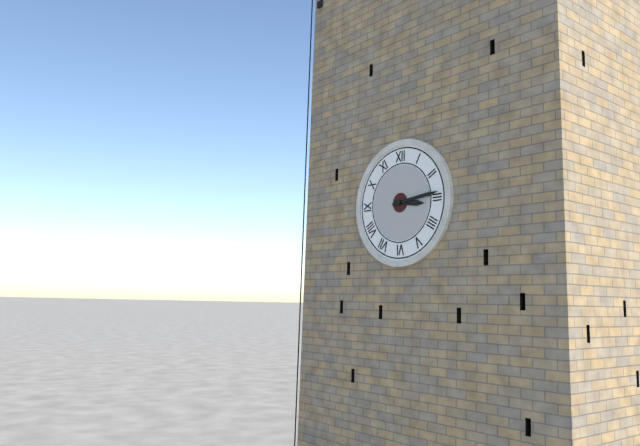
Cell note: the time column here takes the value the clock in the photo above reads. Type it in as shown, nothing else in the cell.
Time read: 3:14
